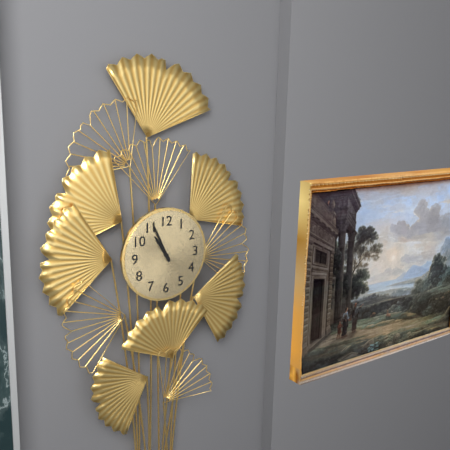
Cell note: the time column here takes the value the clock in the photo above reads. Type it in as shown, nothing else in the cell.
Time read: 10:56
